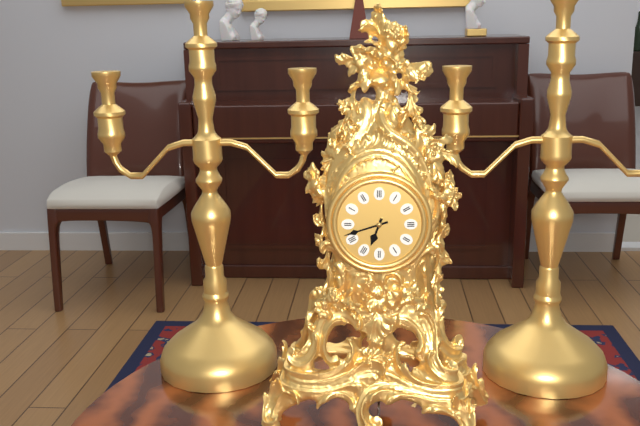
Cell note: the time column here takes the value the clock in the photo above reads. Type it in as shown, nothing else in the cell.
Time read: 6:42
